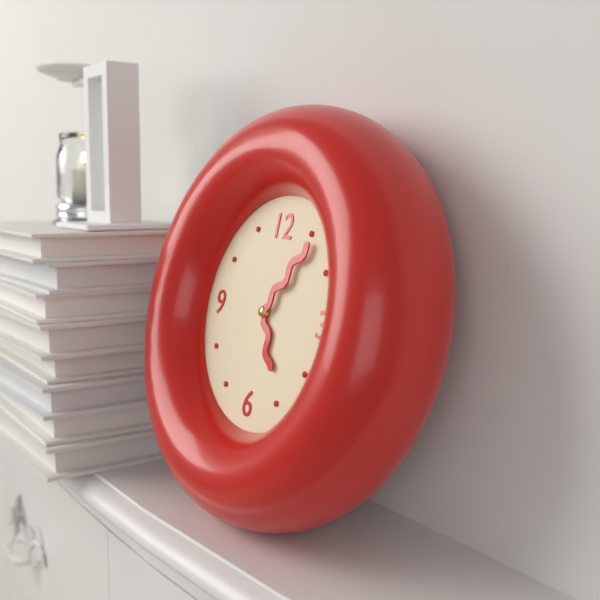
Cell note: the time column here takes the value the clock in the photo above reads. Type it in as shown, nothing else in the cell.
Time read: 5:06
